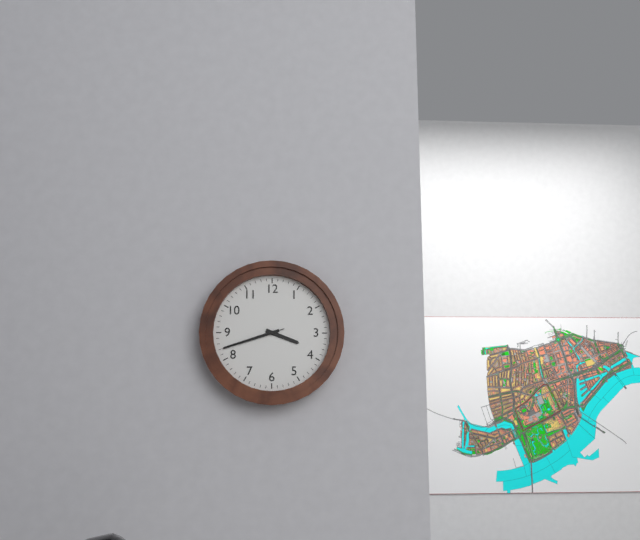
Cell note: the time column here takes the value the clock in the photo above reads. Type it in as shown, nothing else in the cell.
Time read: 3:42:42
